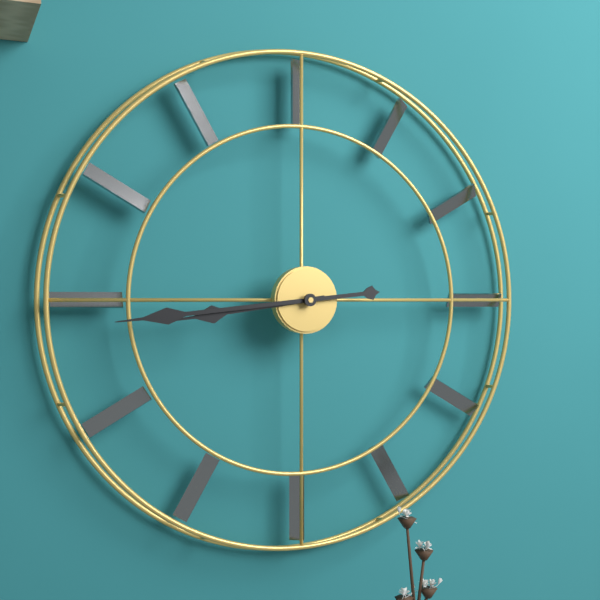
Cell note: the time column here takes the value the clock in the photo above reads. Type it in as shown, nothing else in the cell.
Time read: 8:44
